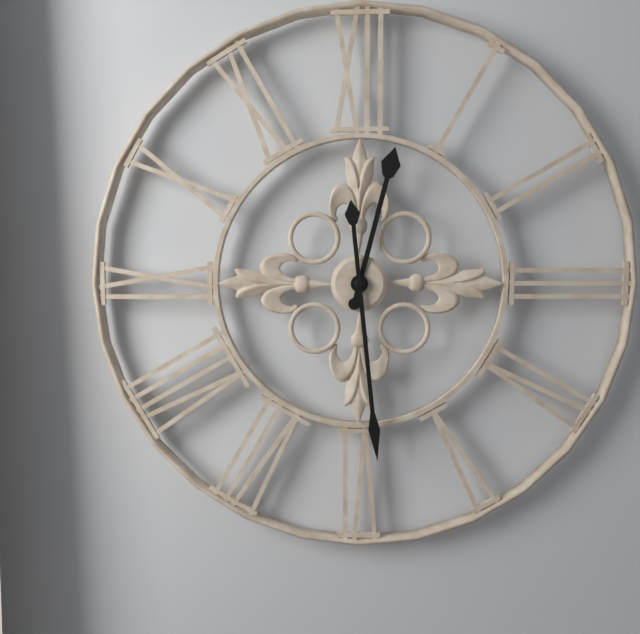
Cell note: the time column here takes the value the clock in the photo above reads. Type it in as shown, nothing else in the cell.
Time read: 12:29
